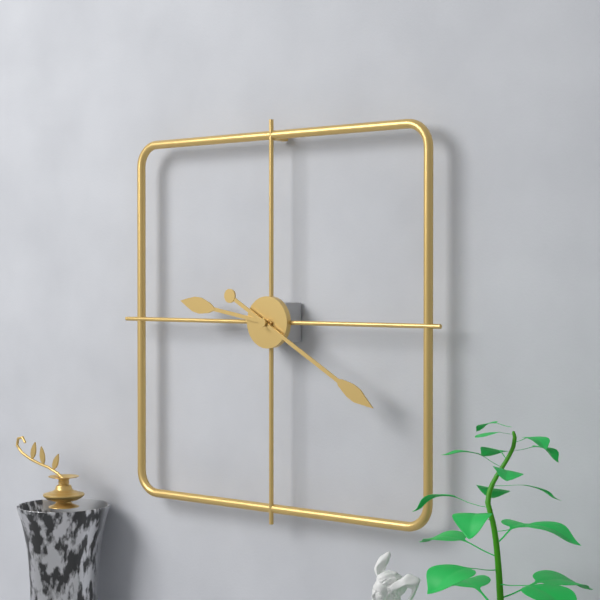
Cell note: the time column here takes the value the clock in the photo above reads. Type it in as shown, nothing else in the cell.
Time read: 9:20
